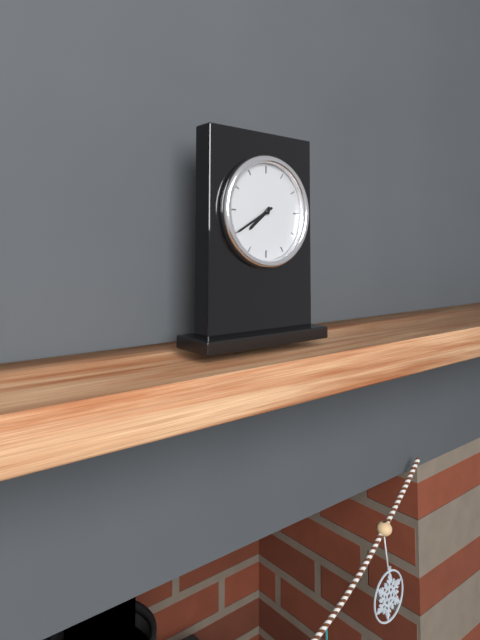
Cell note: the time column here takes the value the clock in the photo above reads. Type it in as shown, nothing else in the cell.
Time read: 7:40
